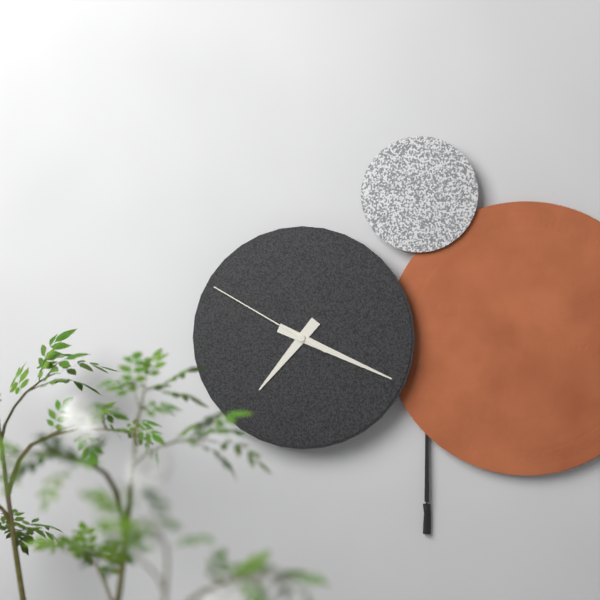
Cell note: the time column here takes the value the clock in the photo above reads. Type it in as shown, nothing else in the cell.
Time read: 7:19:50
